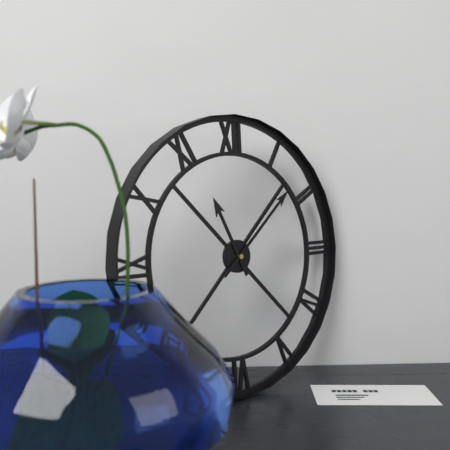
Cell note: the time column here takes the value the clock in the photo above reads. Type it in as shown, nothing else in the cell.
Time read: 11:08
